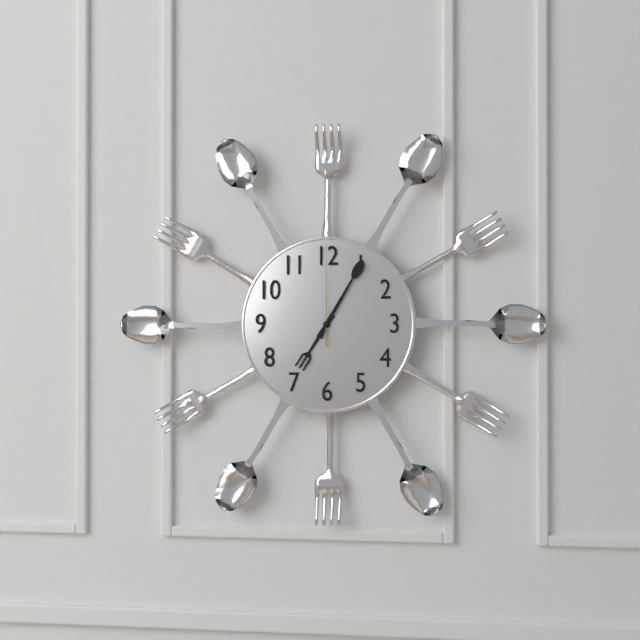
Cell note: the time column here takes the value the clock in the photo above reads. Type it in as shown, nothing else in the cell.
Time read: 7:05:00
